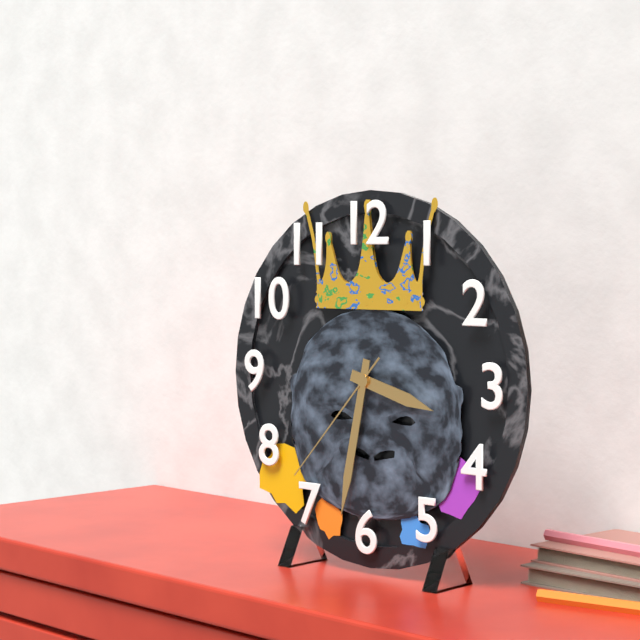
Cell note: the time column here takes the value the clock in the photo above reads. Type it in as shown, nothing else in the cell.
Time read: 3:32:37
